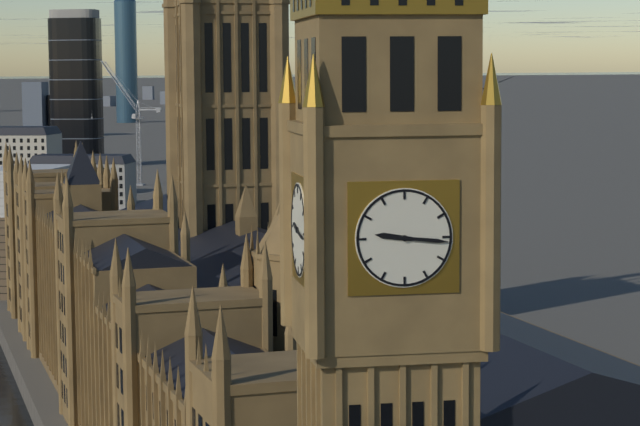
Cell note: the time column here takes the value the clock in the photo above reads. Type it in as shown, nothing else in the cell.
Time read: 9:16
